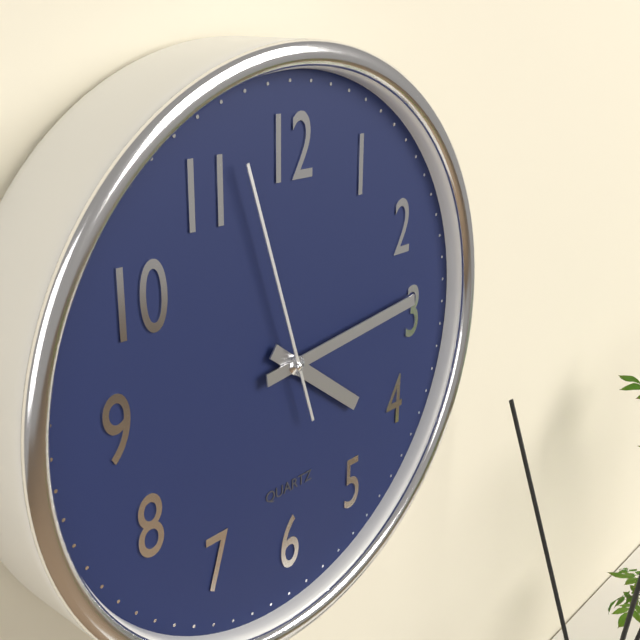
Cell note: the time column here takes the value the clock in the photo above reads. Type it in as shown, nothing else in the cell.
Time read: 4:14:57
